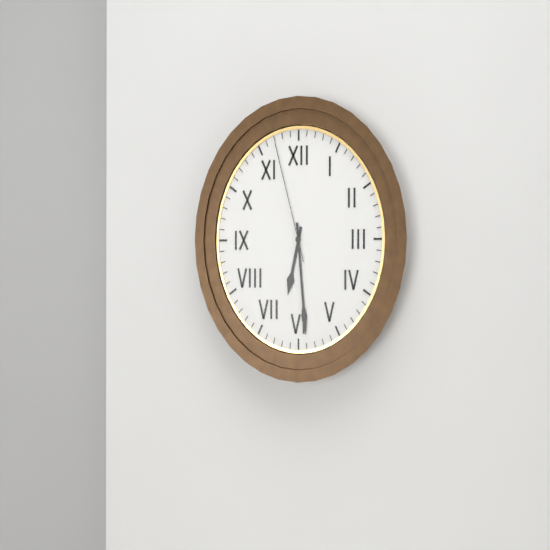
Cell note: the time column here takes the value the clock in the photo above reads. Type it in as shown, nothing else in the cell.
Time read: 6:29:57
